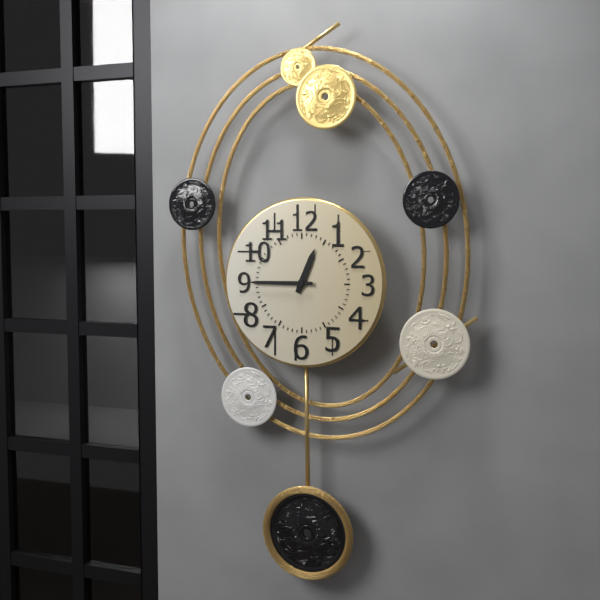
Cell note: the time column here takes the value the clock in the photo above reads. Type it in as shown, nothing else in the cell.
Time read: 12:45
